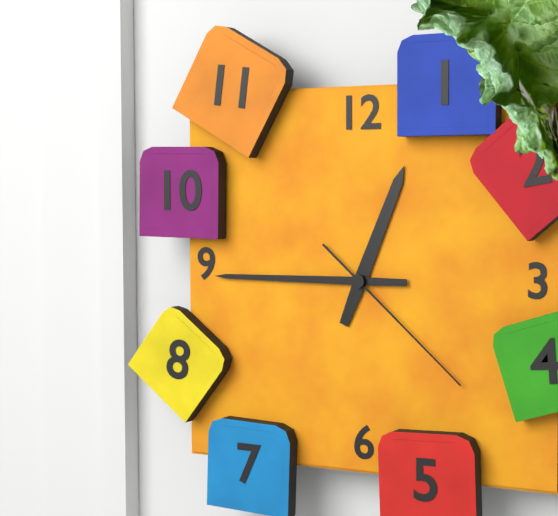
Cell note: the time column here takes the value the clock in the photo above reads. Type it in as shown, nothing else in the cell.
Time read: 12:45:22
